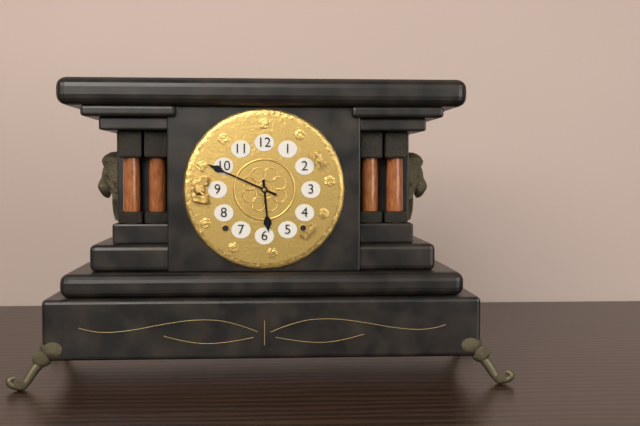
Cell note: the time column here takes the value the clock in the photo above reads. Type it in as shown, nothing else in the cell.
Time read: 5:49
